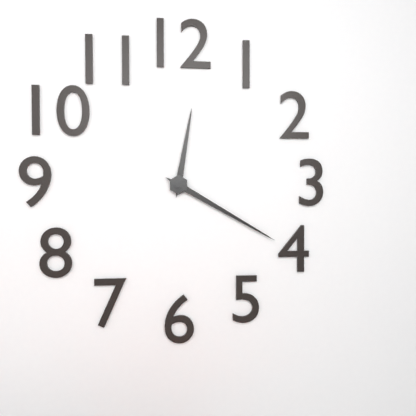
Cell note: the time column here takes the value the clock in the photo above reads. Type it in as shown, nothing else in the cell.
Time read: 12:20
